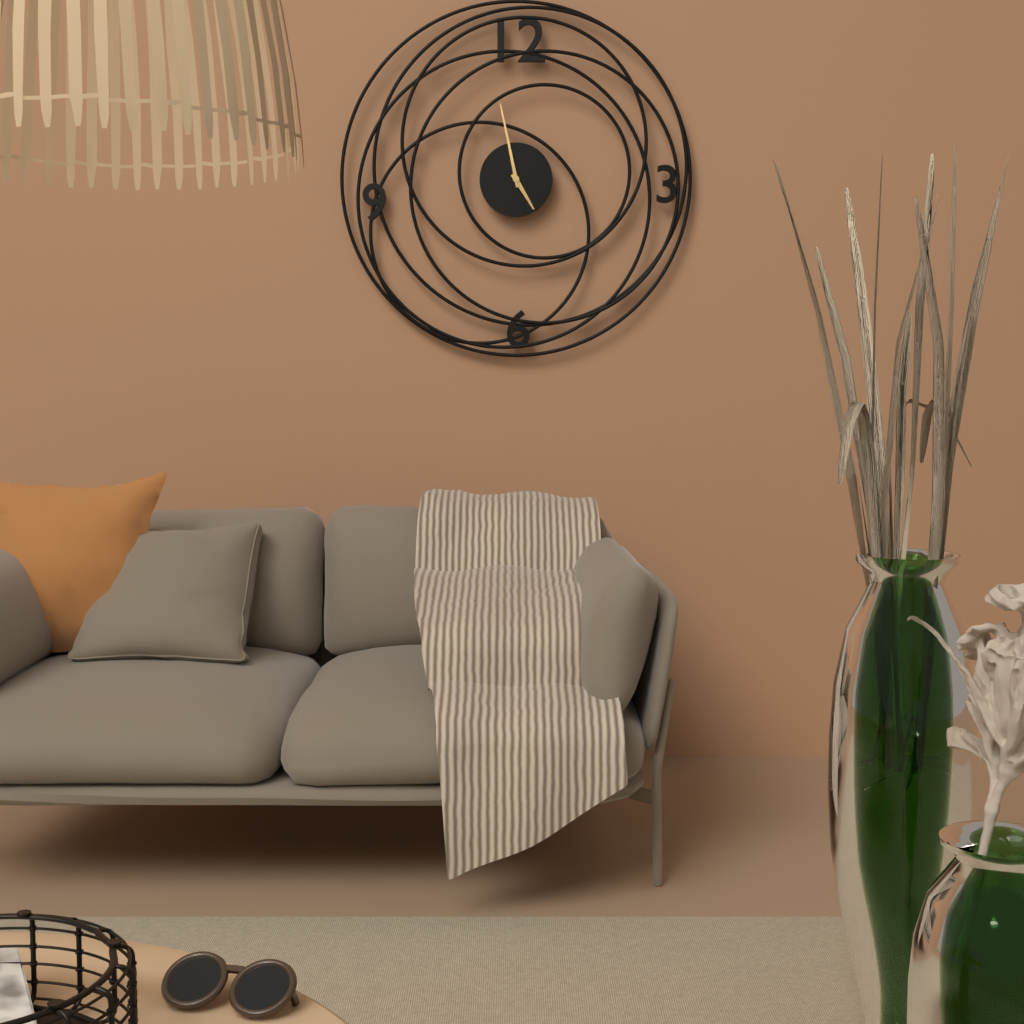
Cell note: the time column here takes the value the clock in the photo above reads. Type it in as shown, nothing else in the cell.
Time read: 4:58
